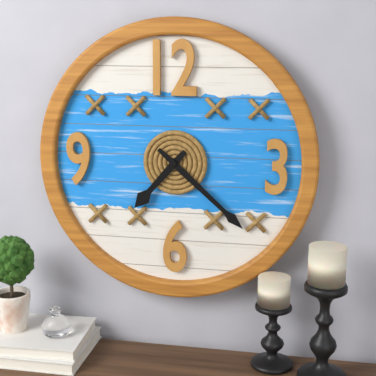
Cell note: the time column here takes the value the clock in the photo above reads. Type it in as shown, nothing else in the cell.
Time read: 7:22
